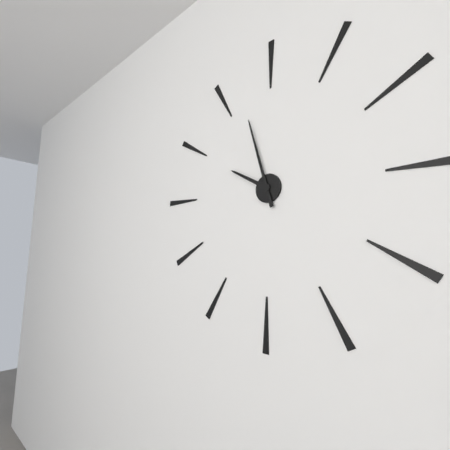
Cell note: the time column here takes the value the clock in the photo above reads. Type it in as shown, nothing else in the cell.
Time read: 9:57
